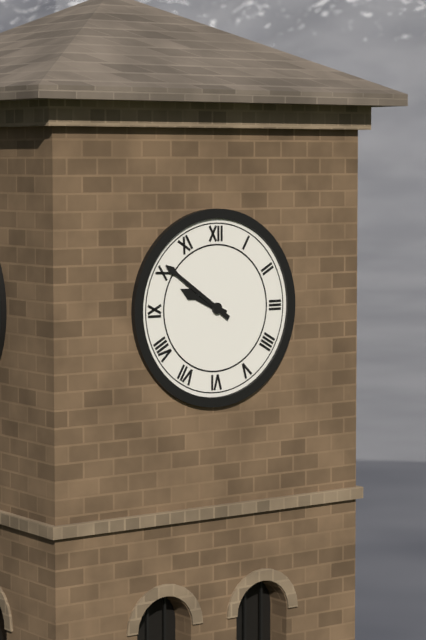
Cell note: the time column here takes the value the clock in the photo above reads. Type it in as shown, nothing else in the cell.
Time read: 9:51
